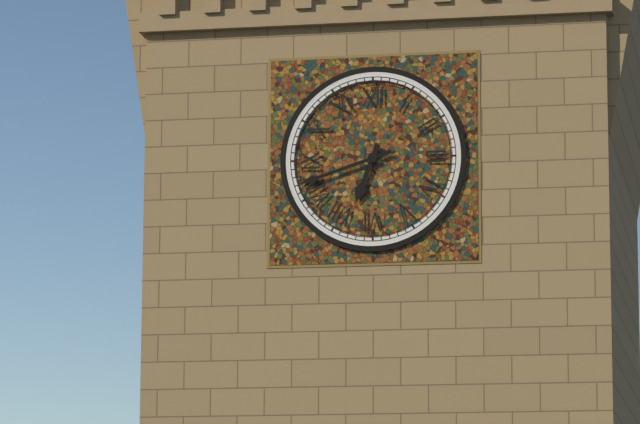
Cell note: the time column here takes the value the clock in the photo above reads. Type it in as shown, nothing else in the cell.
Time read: 6:42
